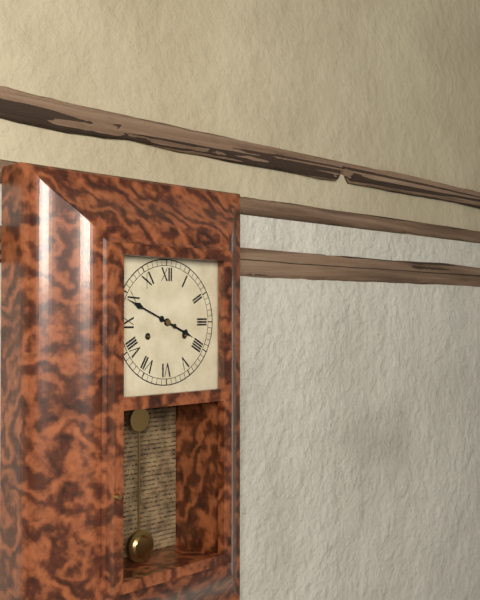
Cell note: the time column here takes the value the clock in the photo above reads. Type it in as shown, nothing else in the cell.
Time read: 3:49
